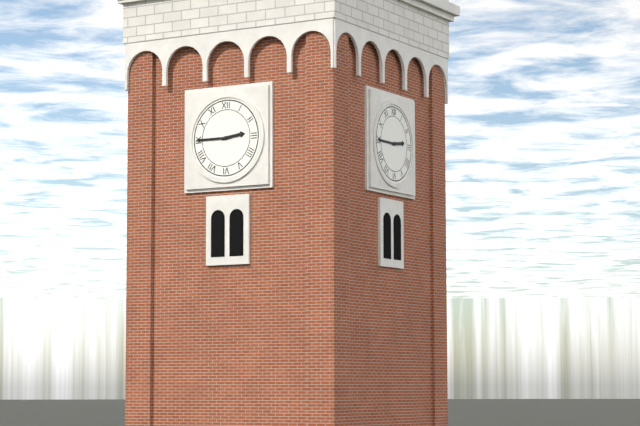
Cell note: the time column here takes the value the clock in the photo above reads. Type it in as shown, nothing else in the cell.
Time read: 2:45
